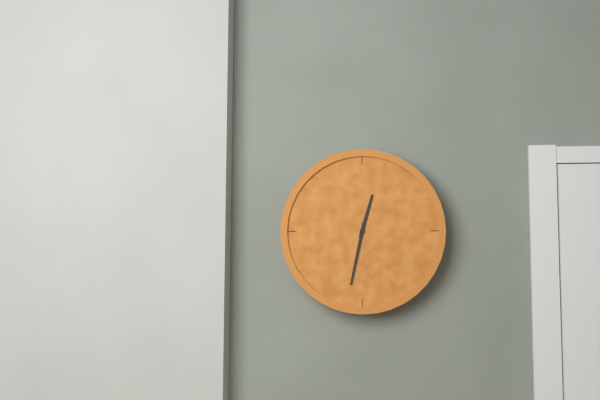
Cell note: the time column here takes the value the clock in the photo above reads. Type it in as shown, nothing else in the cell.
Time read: 12:32
